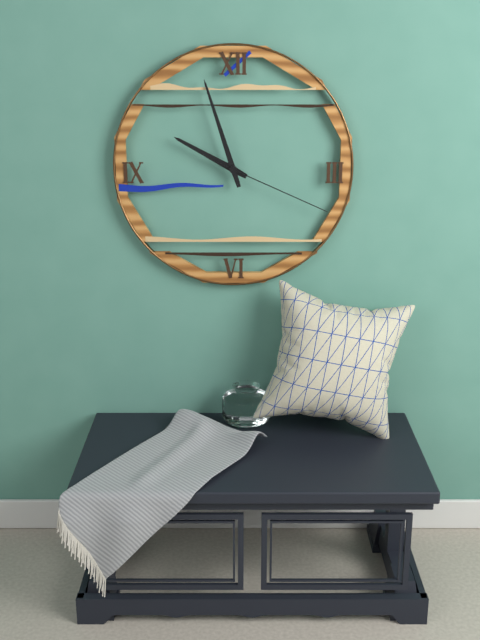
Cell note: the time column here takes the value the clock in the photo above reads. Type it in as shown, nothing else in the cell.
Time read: 9:57:19
